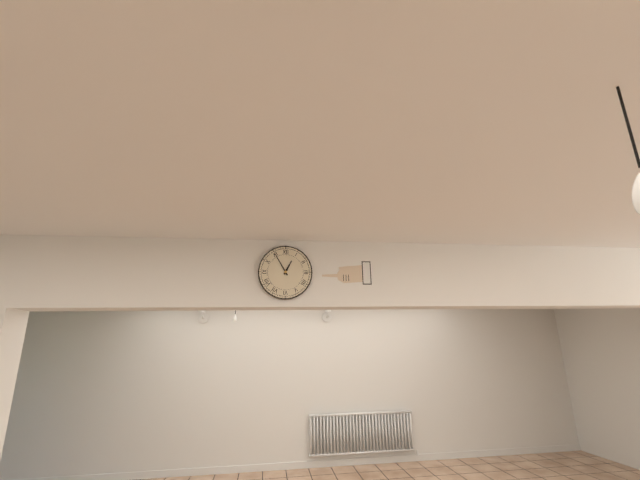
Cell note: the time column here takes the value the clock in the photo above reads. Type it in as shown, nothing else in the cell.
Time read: 12:55
